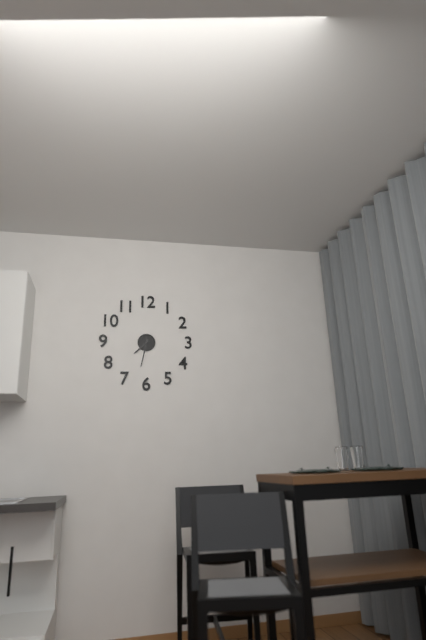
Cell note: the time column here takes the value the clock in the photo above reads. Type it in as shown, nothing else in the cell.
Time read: 7:32
